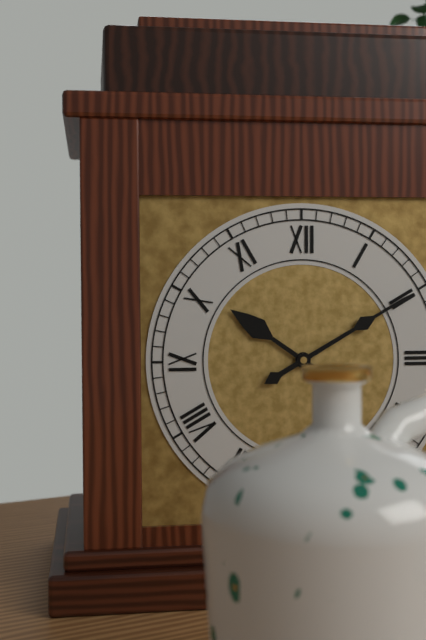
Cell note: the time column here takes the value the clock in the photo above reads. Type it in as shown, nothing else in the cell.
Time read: 10:10
